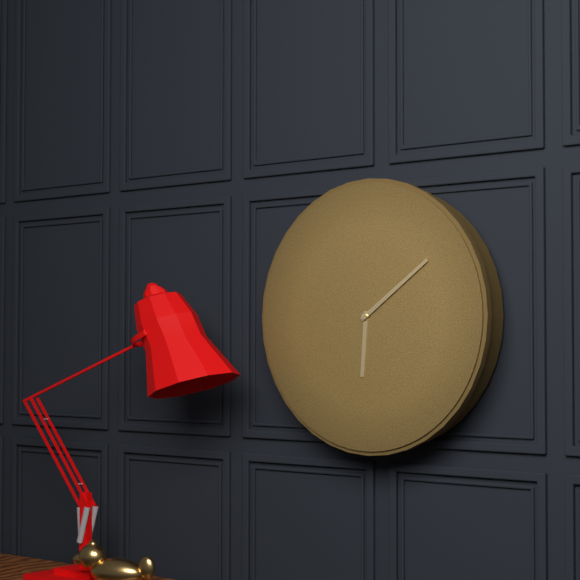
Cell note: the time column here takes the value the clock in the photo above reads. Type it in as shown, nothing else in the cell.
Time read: 6:09
